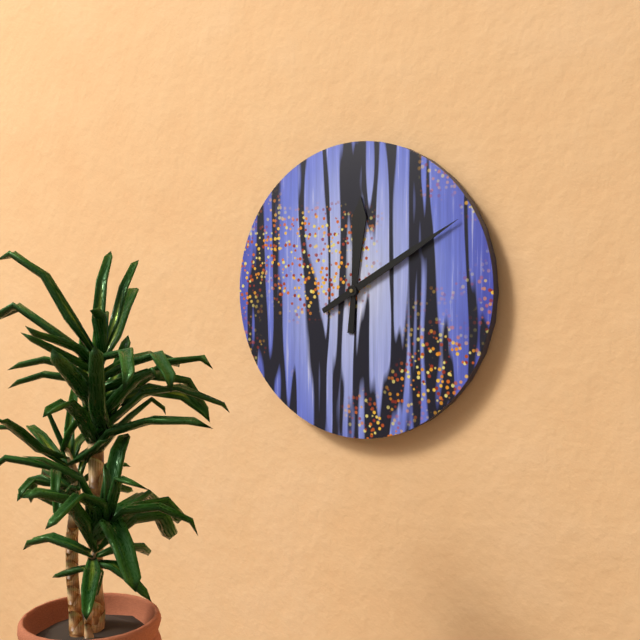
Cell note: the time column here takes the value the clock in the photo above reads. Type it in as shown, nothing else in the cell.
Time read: 12:10
